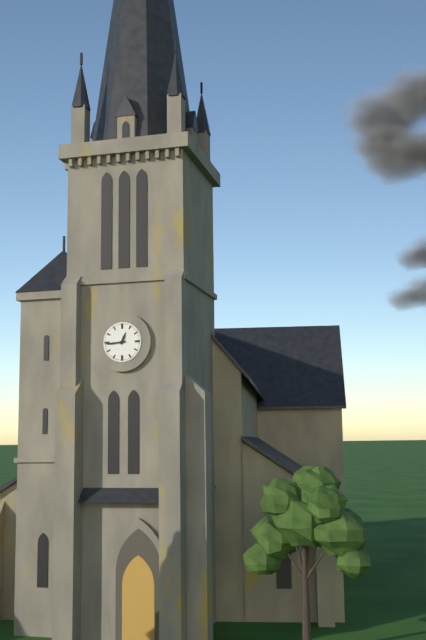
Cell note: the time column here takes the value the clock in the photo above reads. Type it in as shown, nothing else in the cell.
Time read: 12:44
